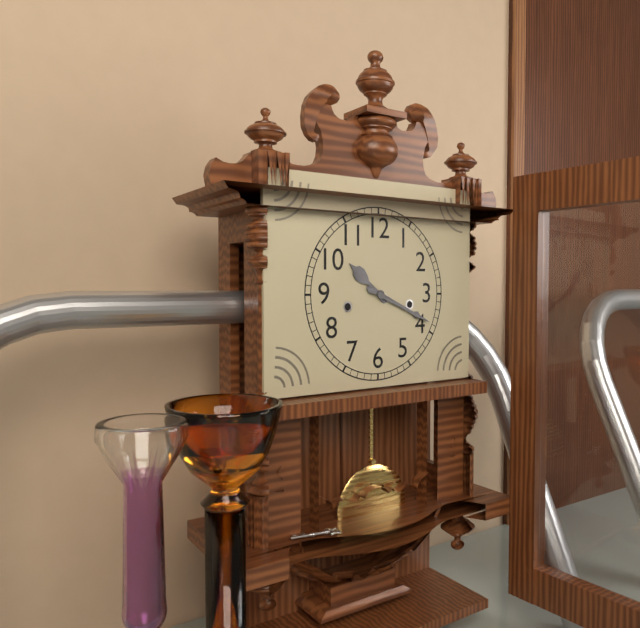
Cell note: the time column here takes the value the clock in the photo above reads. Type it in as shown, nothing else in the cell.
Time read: 10:19
